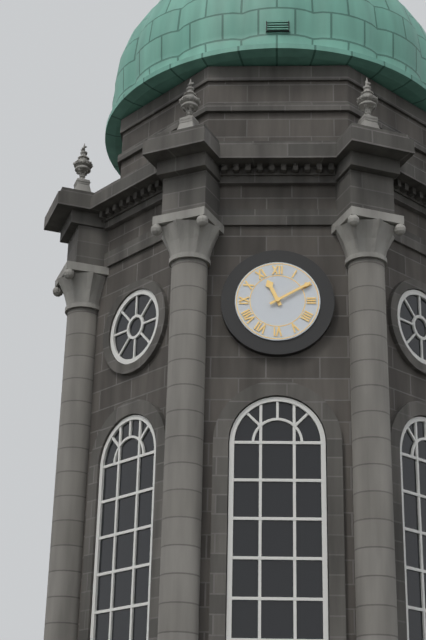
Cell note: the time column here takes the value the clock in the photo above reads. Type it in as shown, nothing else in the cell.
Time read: 11:10
